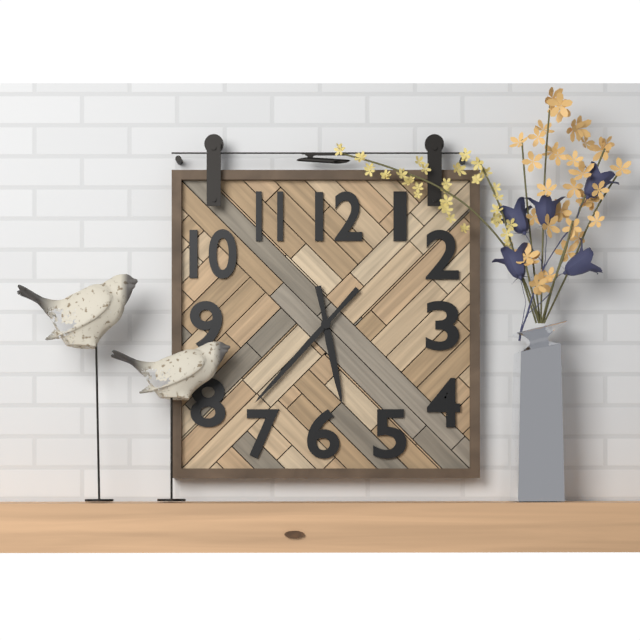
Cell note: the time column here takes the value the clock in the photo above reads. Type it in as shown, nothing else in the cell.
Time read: 5:37
